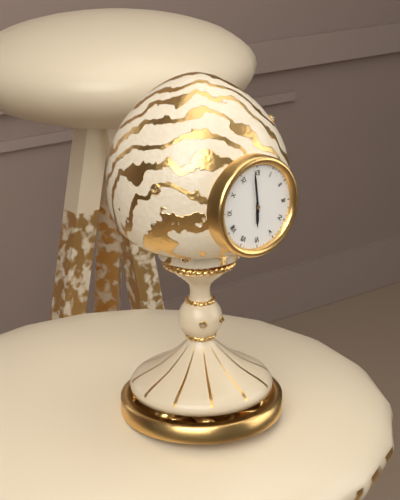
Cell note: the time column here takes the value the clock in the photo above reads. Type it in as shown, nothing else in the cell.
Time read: 5:59
